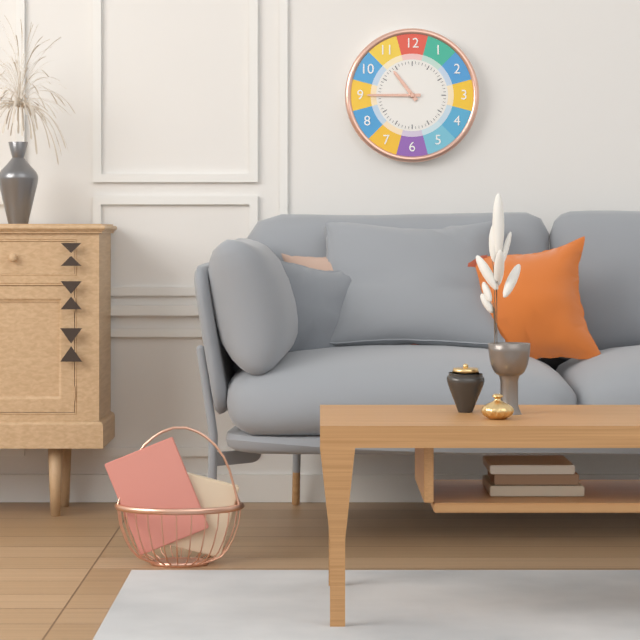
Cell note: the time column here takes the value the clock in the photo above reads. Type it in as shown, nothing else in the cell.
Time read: 10:45
